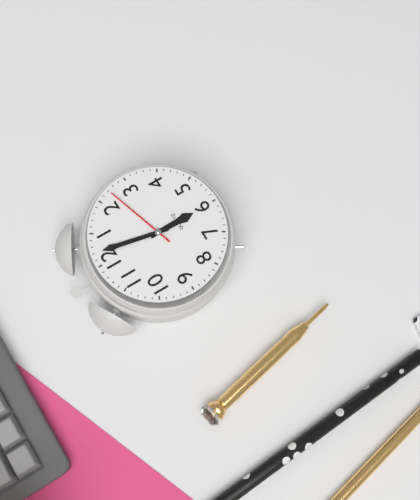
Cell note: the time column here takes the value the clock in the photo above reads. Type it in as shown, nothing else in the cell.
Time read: 6:02:12
